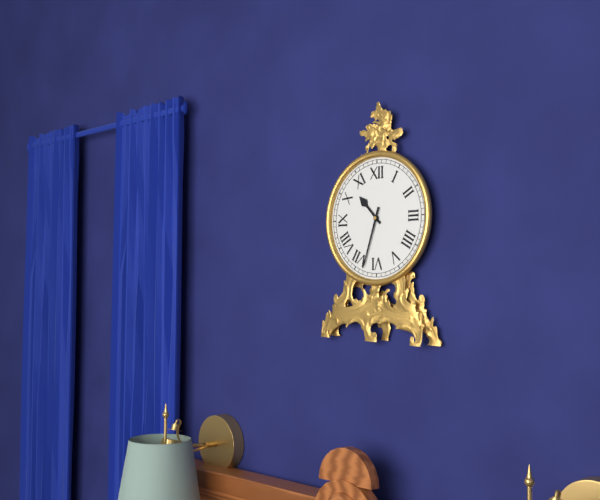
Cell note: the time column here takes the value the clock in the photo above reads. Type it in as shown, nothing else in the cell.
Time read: 10:33
